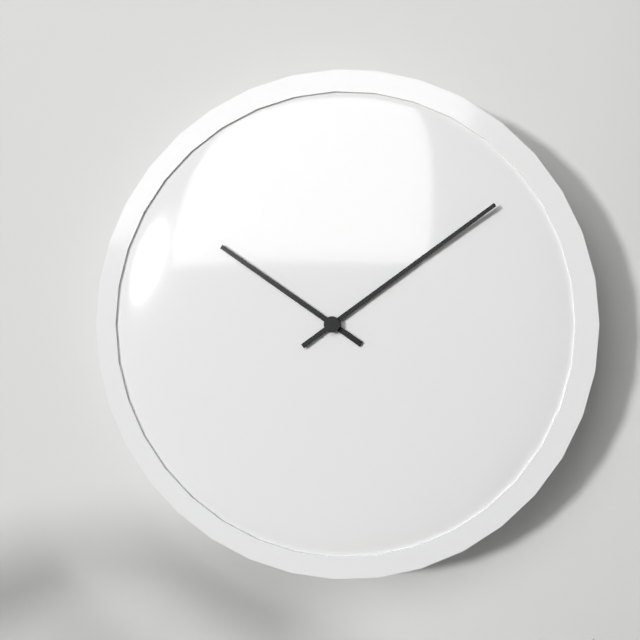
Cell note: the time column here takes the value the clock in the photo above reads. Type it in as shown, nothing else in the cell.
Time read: 10:09
